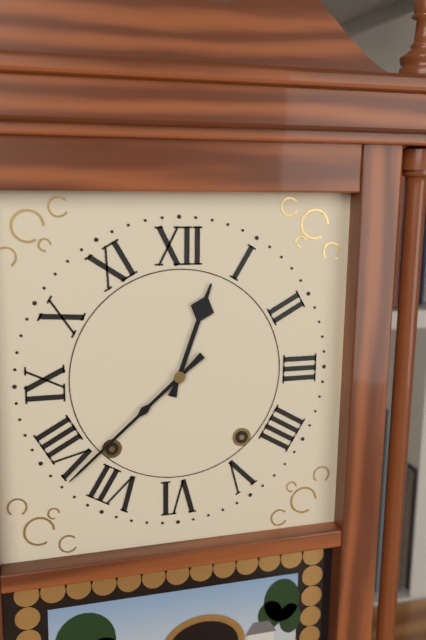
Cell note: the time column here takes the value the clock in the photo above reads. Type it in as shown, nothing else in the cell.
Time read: 12:38
